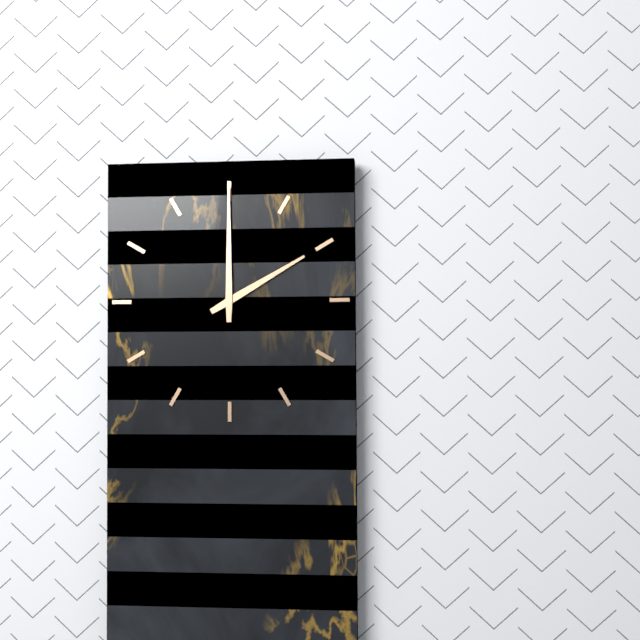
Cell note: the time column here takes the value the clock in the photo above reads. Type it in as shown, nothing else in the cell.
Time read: 2:00
